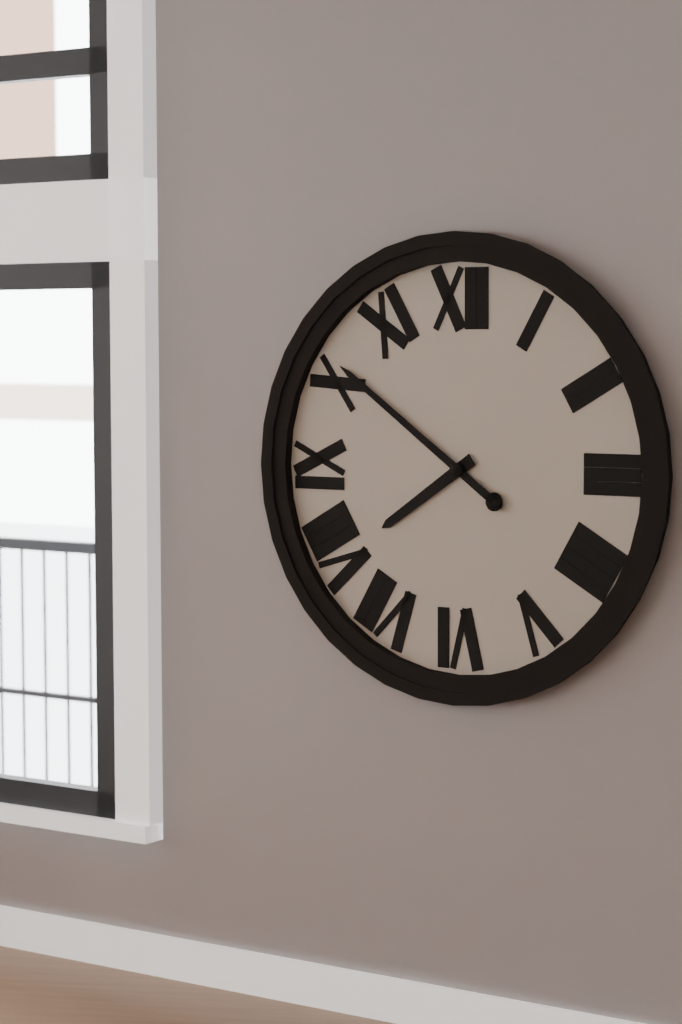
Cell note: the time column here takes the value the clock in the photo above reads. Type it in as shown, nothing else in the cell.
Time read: 7:51
